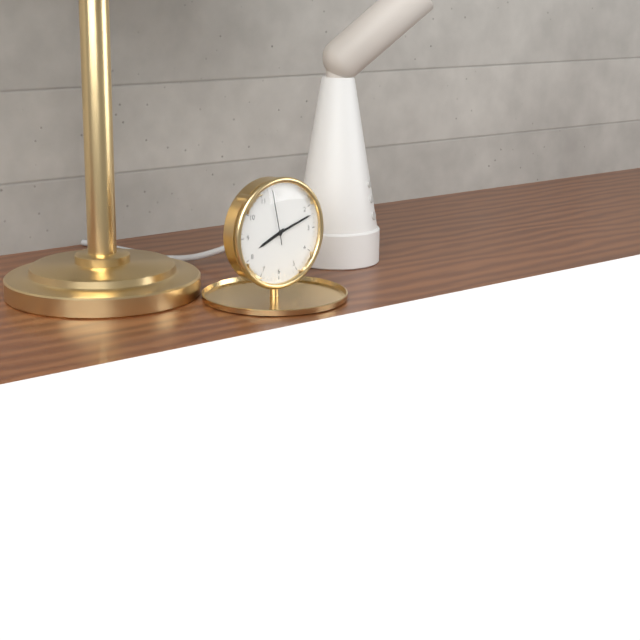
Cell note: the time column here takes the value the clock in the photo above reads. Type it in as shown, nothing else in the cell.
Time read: 8:12:58
